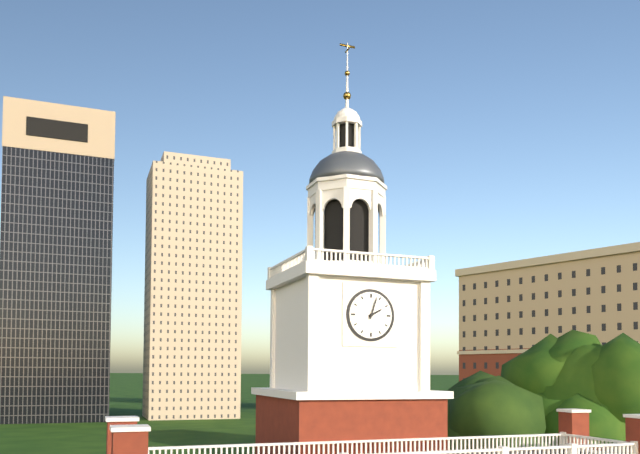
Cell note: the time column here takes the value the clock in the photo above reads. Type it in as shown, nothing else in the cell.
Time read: 2:03
